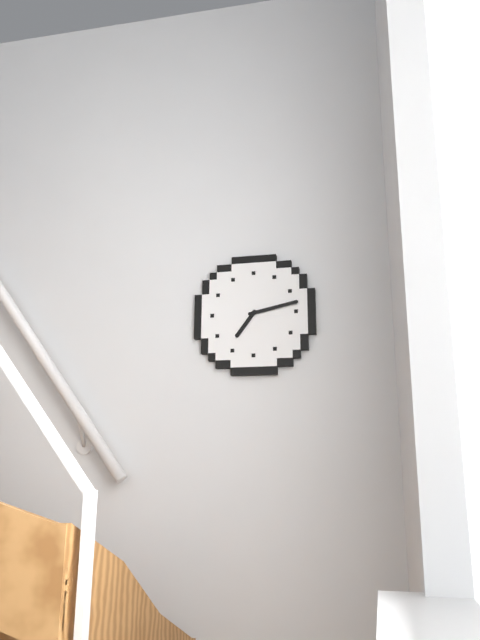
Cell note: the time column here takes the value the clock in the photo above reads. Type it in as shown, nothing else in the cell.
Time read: 7:13
